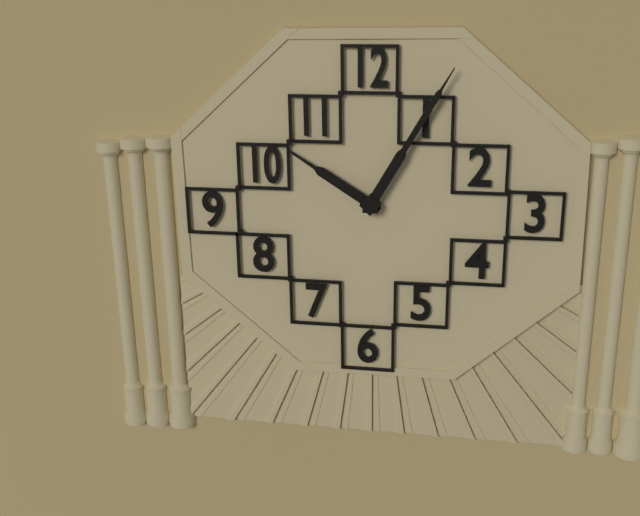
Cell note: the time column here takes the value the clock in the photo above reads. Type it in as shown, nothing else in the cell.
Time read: 10:05
